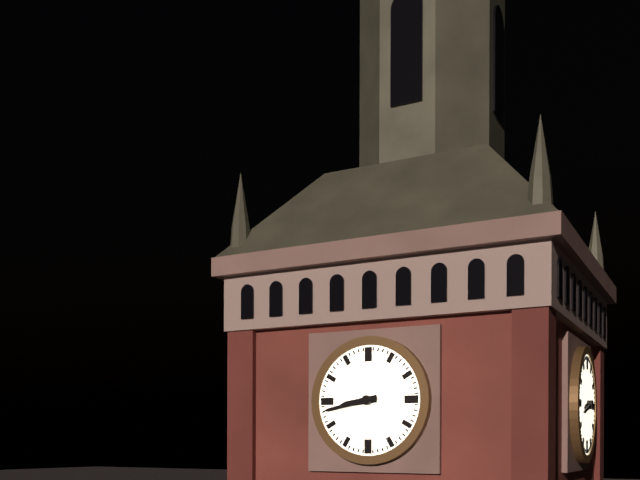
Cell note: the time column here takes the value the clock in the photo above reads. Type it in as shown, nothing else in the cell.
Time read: 8:43
